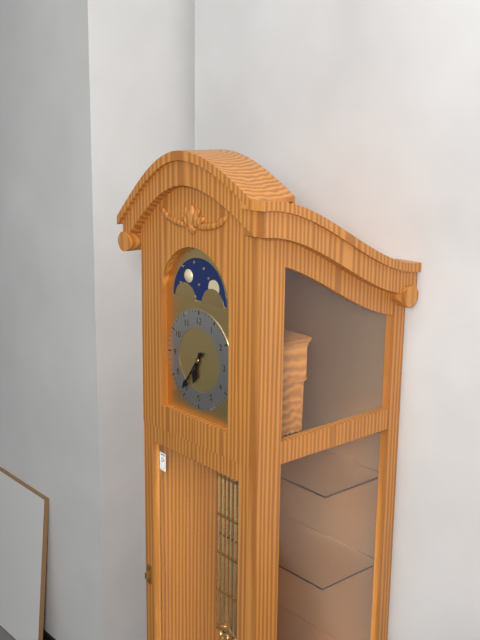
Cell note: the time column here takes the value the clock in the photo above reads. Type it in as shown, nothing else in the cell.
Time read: 6:36
